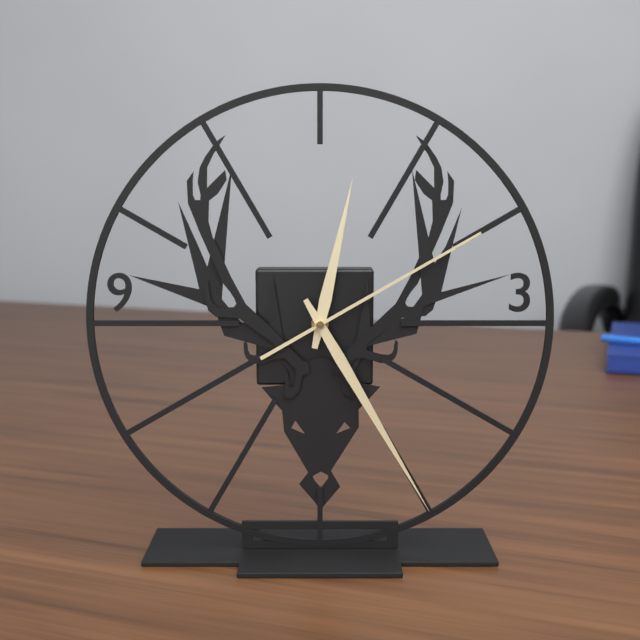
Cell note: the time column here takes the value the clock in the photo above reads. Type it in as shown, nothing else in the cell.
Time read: 12:25:10
